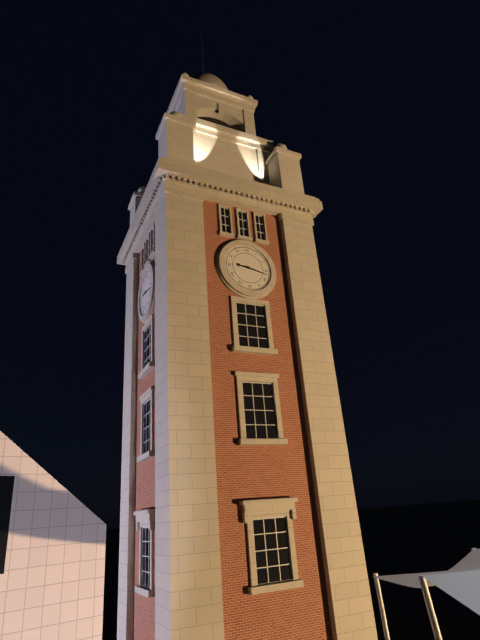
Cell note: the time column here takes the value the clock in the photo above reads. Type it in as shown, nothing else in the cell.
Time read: 9:17
